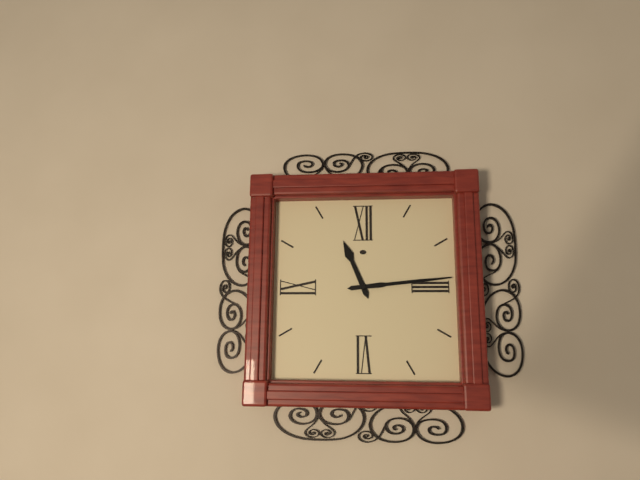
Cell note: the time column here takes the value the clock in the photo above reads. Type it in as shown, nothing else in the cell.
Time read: 11:14
